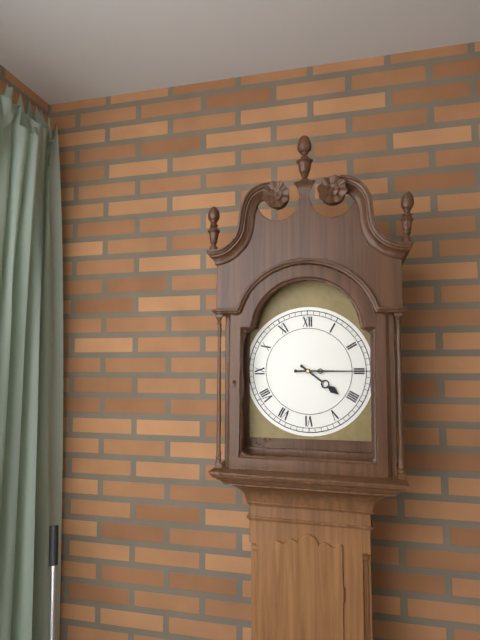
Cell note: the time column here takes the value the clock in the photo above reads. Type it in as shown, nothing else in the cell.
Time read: 4:15
